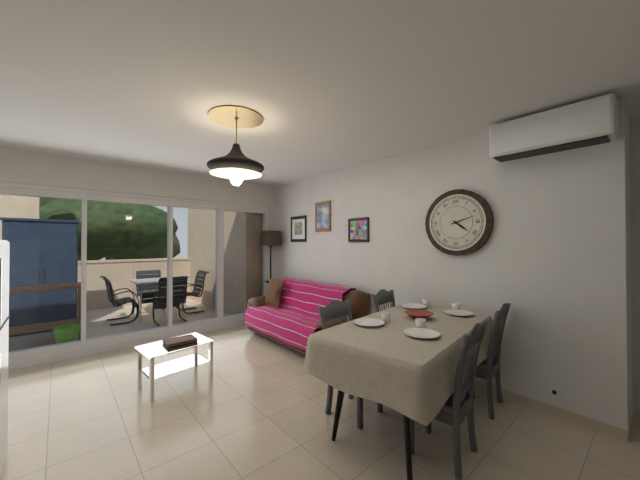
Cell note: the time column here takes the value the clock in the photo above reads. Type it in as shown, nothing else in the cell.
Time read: 4:12
